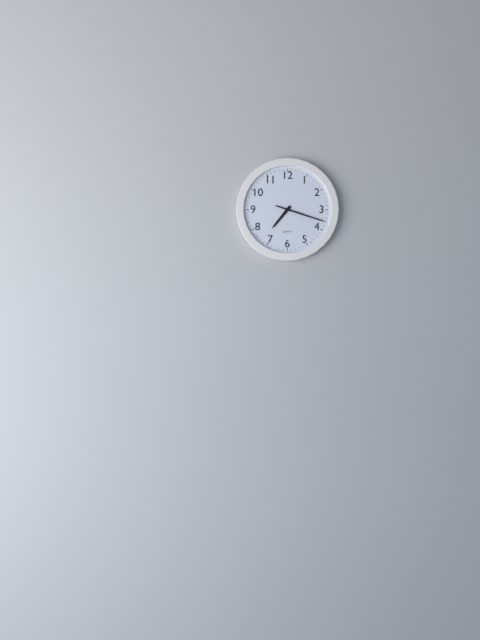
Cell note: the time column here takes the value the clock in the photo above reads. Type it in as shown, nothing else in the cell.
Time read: 7:18
